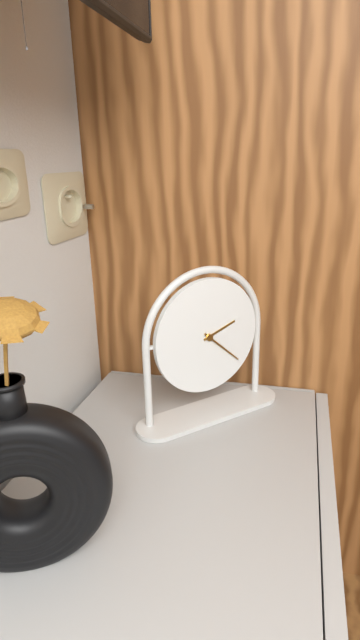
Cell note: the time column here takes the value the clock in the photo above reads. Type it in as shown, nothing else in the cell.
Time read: 2:22
